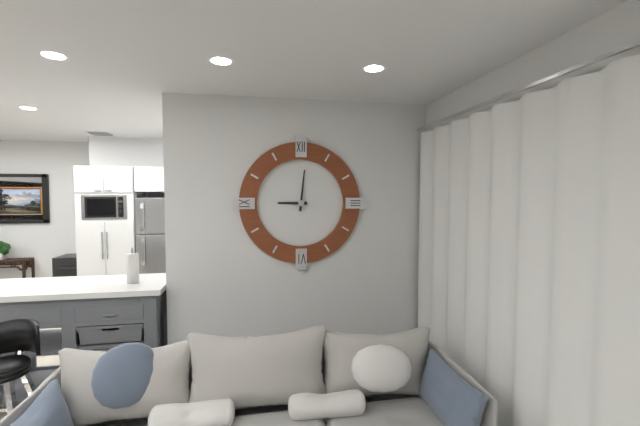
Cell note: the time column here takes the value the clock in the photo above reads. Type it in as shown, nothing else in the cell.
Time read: 9:01
